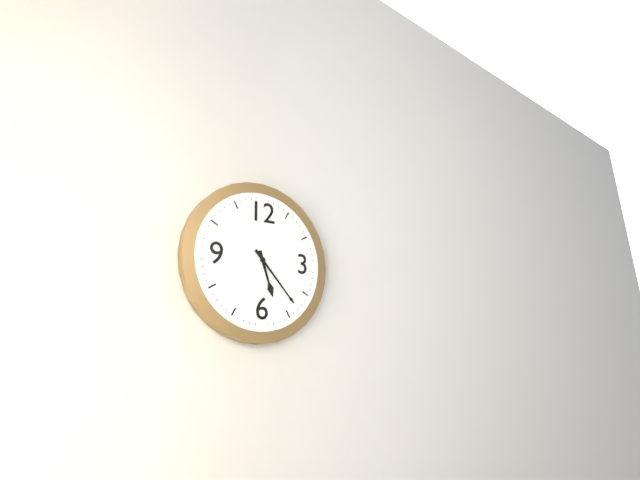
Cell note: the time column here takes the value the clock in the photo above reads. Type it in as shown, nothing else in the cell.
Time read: 5:23
